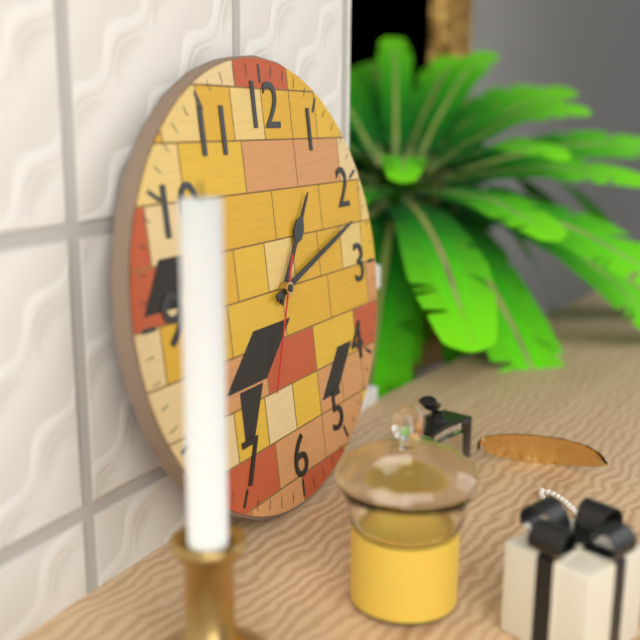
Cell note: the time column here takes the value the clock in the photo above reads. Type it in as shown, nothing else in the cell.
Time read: 1:12:34
